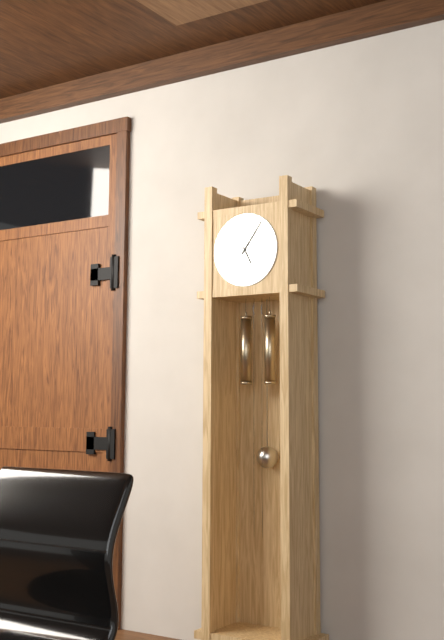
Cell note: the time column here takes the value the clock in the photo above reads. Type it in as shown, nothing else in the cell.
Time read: 5:06
